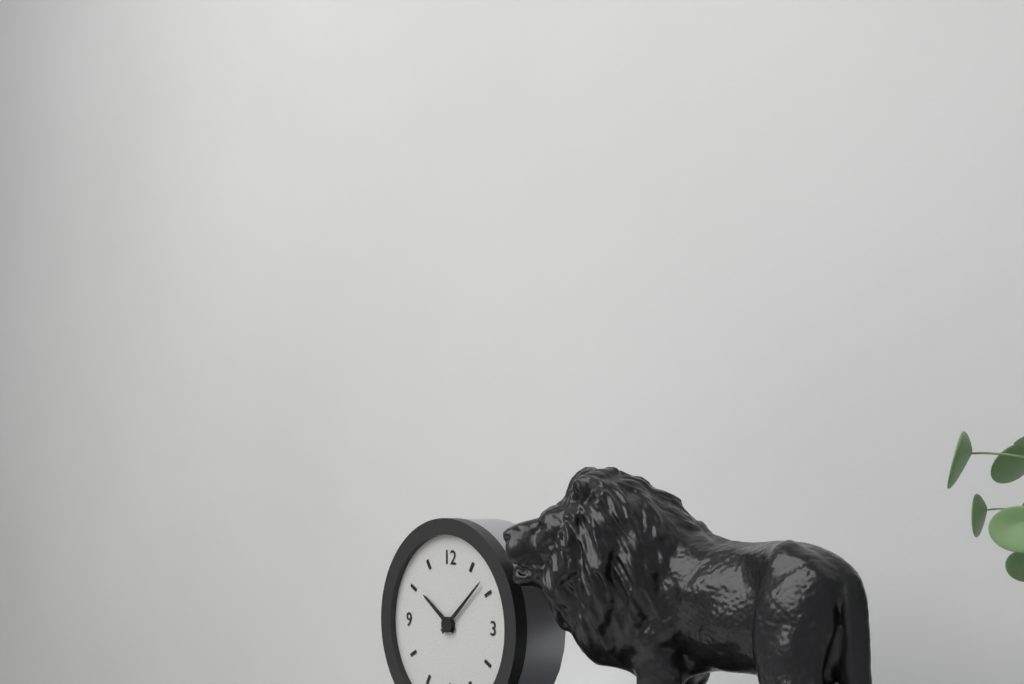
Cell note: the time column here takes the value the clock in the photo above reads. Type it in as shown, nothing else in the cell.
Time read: 10:08
